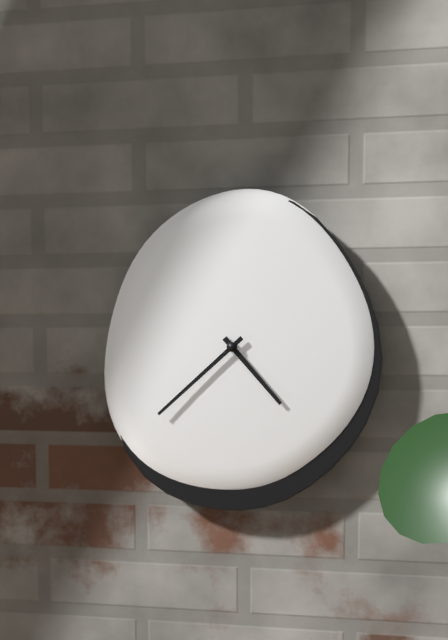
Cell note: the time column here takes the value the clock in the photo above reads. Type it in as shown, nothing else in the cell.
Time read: 4:38
